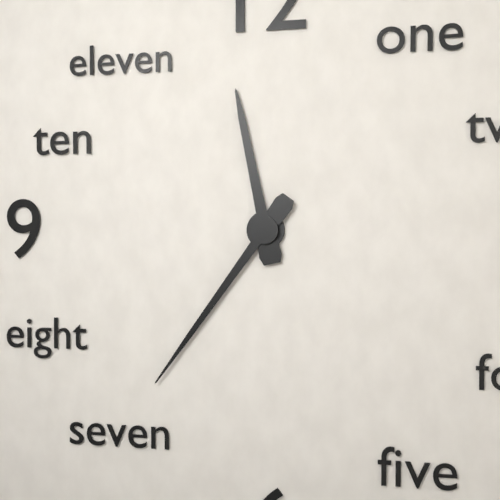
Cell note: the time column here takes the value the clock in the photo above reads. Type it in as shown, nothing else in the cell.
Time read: 11:36
